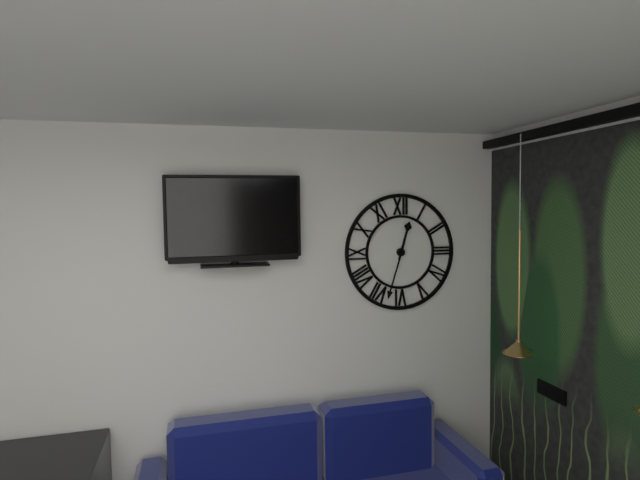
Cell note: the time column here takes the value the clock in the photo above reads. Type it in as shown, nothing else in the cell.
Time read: 12:33
